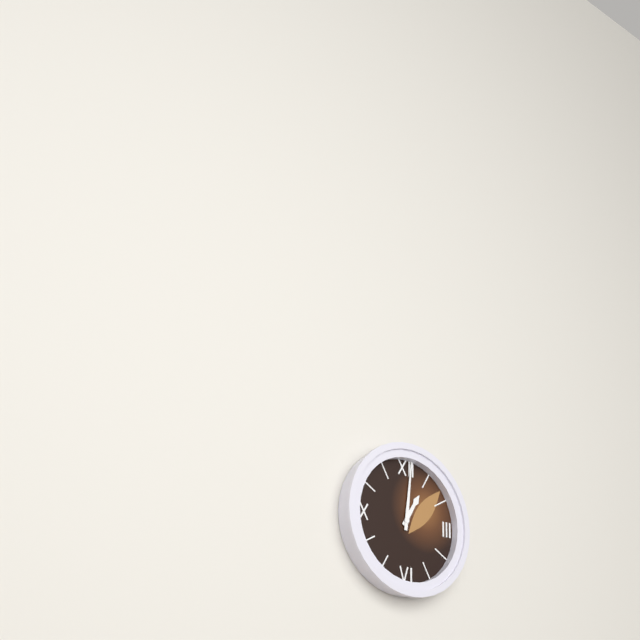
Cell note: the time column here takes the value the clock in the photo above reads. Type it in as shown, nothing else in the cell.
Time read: 1:01
